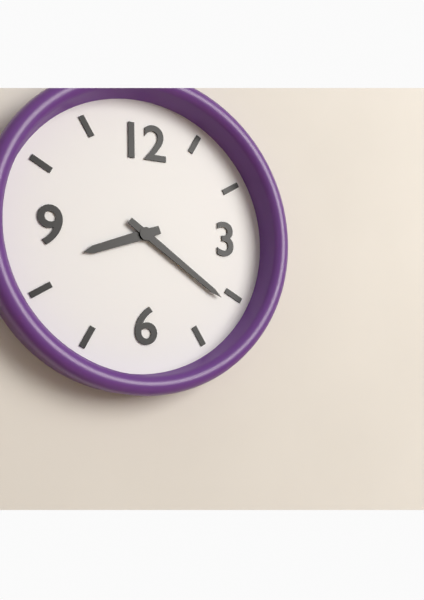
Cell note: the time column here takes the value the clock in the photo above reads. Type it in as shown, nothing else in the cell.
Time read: 8:21
